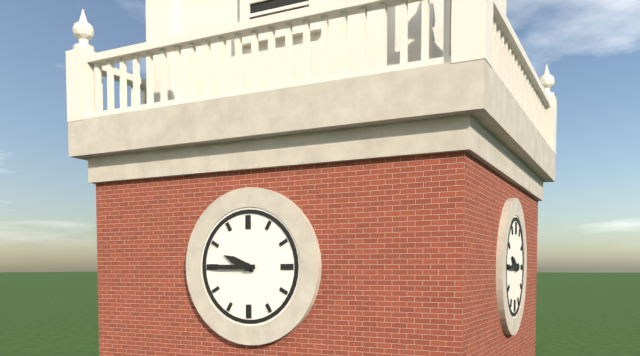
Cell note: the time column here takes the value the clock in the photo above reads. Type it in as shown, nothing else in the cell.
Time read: 9:45
